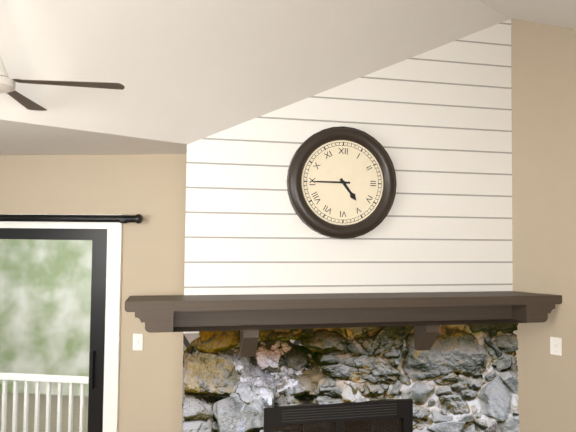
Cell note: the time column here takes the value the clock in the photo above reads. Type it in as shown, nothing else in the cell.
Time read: 4:45
